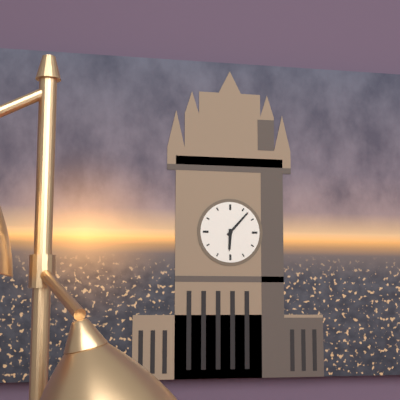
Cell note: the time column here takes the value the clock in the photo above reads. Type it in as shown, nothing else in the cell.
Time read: 6:07
